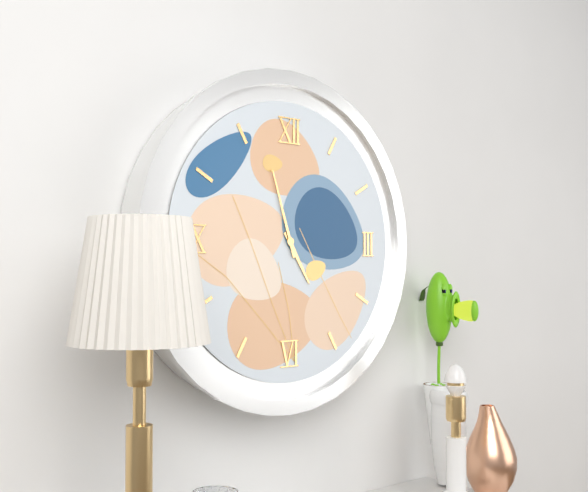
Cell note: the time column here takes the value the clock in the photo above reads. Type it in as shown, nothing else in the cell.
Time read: 4:57
